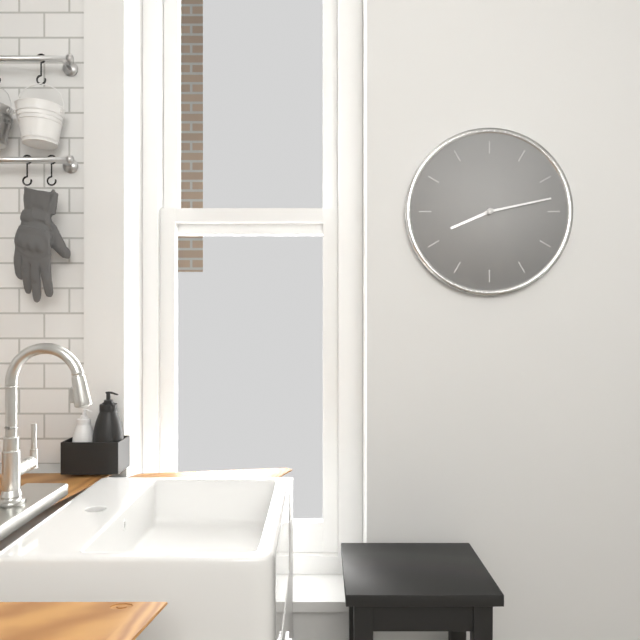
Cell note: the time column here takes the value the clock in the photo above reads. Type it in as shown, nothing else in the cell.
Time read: 8:13
